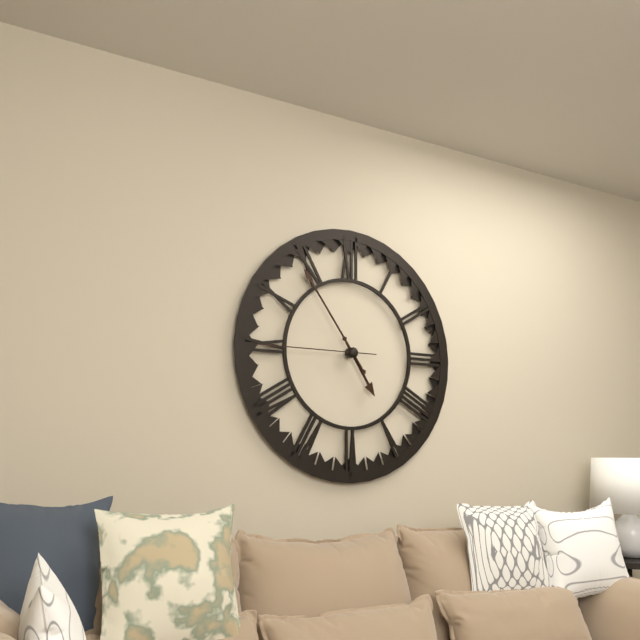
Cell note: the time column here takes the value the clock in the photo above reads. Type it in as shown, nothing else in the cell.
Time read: 4:54:45
